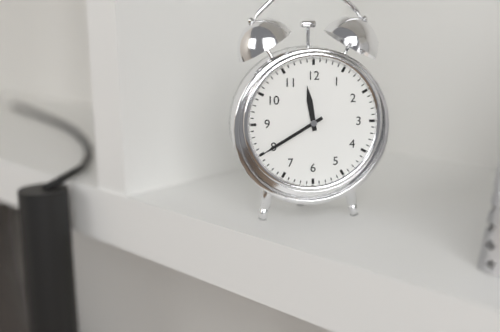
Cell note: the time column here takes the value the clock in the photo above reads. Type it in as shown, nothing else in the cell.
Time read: 11:40
